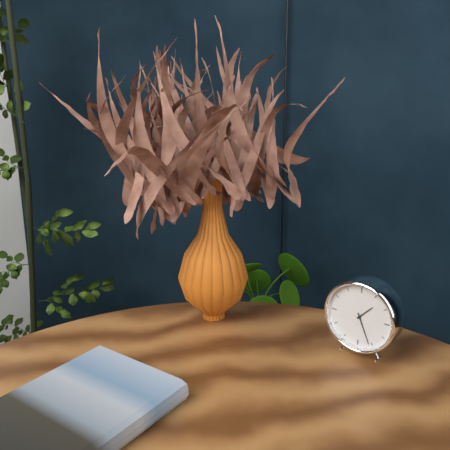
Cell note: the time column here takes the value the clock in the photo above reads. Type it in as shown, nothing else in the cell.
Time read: 1:26
